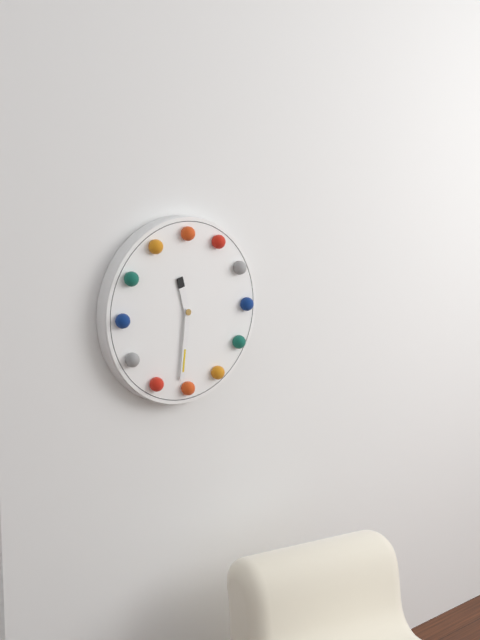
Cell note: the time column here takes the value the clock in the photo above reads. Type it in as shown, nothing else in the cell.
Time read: 11:31
